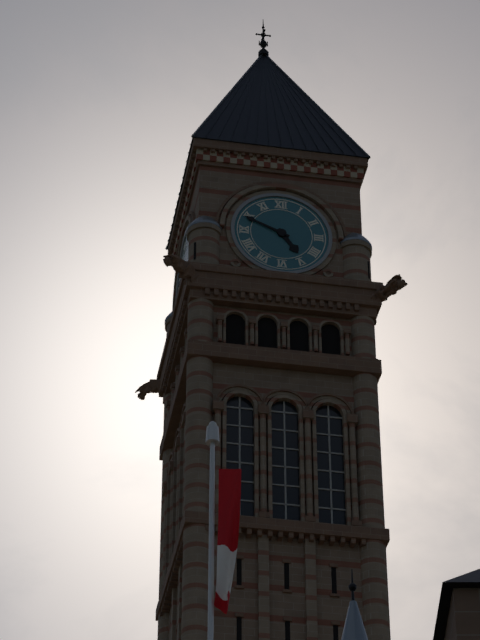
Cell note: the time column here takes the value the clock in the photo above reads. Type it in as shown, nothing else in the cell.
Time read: 4:49
